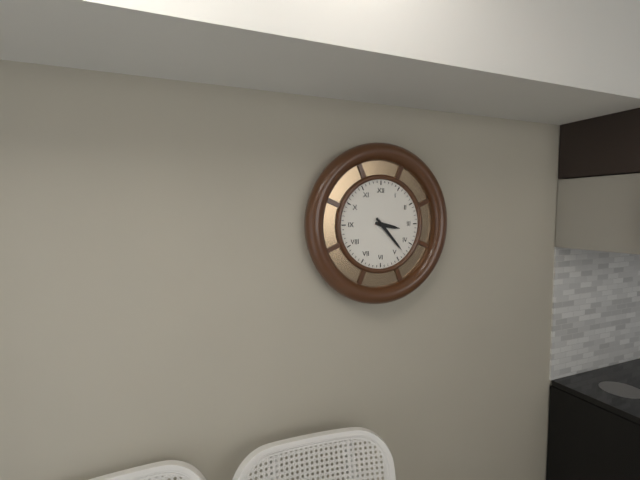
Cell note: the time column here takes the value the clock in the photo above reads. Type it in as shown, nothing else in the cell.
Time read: 3:23
